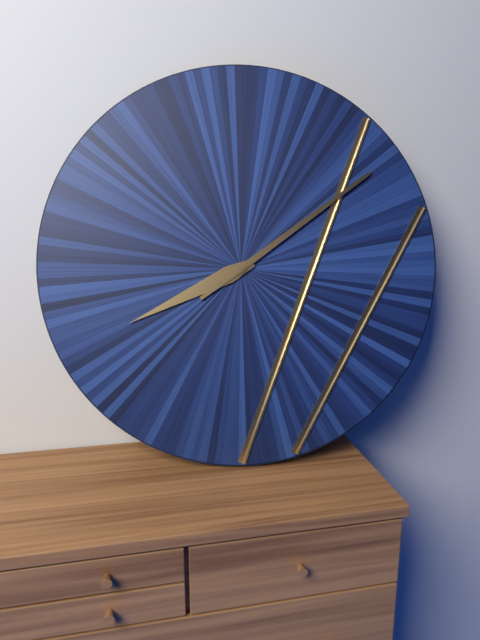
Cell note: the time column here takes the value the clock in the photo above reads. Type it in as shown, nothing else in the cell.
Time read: 8:09
